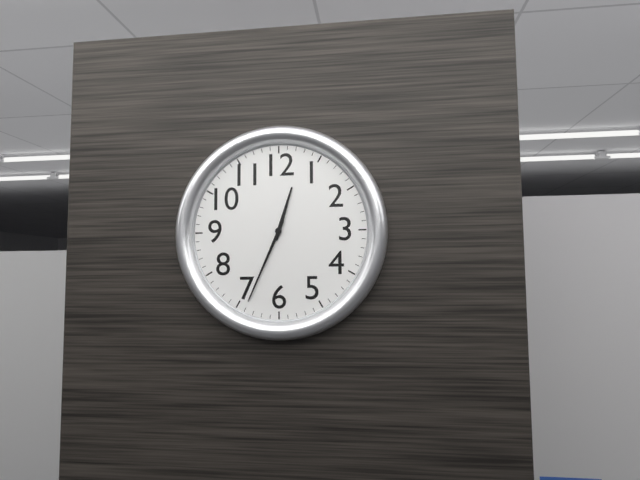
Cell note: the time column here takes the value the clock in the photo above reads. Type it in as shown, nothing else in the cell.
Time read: 12:34
